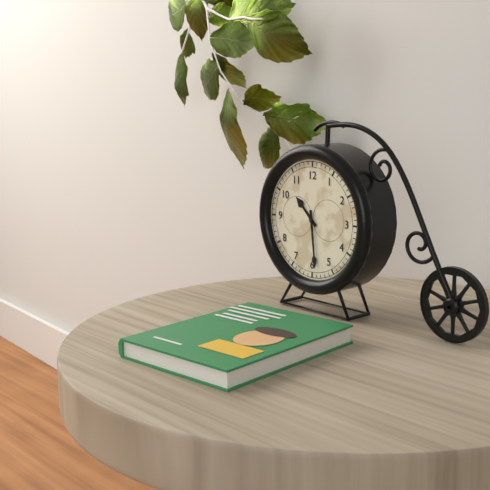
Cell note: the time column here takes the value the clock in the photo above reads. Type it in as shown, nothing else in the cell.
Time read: 10:29
